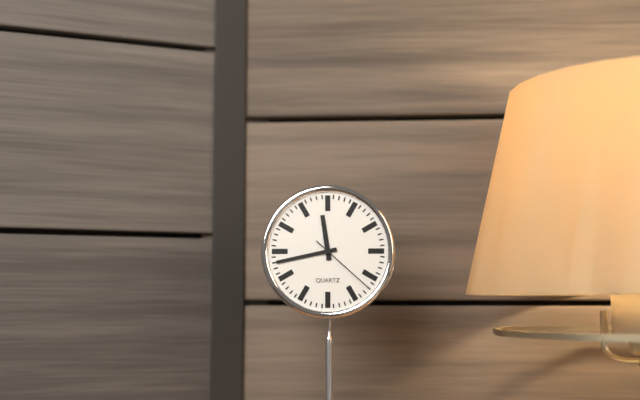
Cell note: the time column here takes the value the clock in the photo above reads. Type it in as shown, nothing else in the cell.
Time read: 11:43:22
